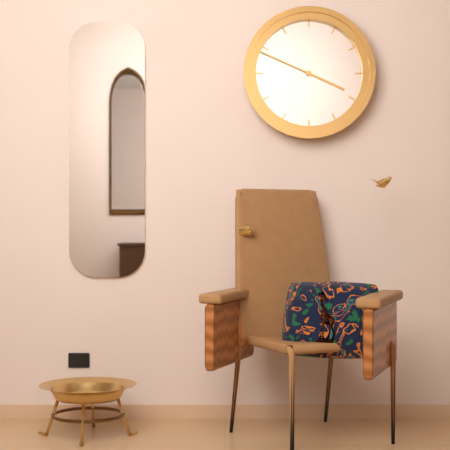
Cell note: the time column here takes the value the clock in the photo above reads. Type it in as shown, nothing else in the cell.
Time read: 3:49
